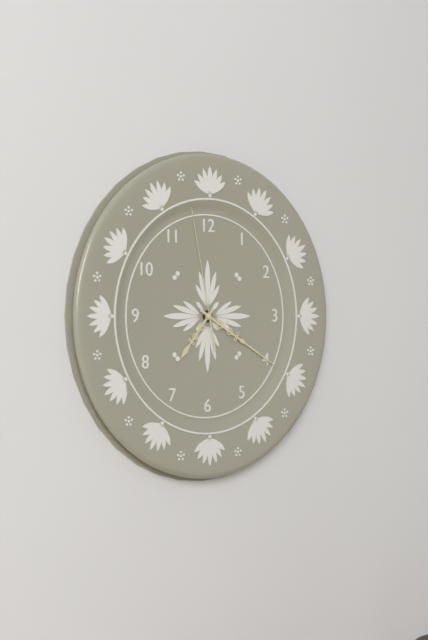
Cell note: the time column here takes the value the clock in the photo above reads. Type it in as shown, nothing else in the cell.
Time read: 7:20:58
